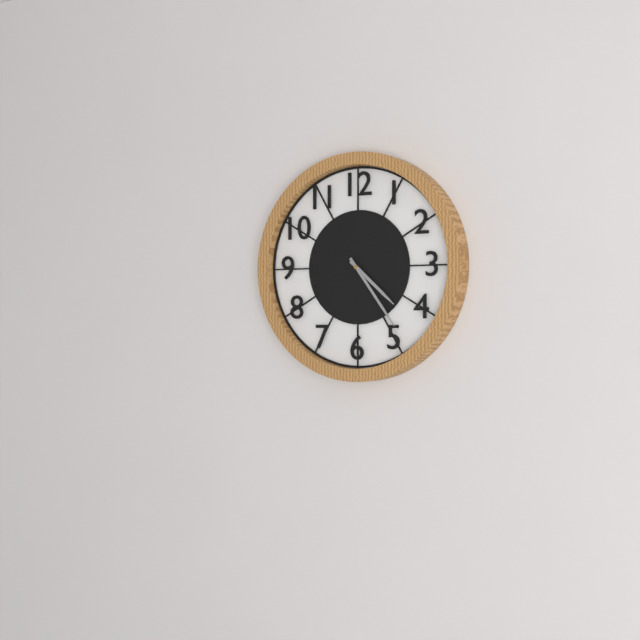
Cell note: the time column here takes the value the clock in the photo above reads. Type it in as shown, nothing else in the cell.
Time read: 4:24
